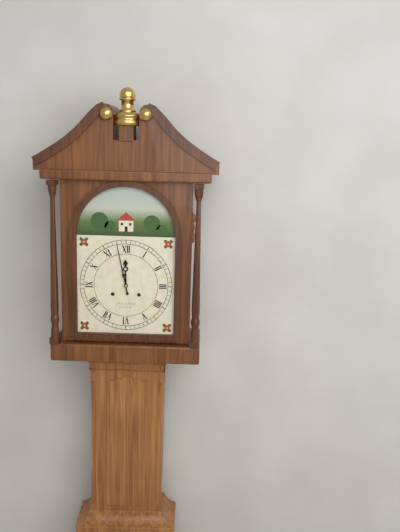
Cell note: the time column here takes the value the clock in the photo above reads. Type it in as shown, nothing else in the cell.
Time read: 11:58
